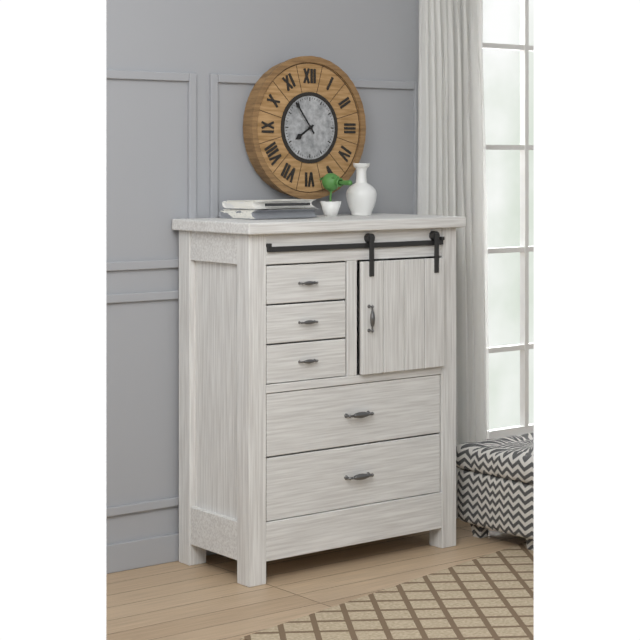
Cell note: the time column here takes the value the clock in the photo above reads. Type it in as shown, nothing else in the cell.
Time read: 7:54
